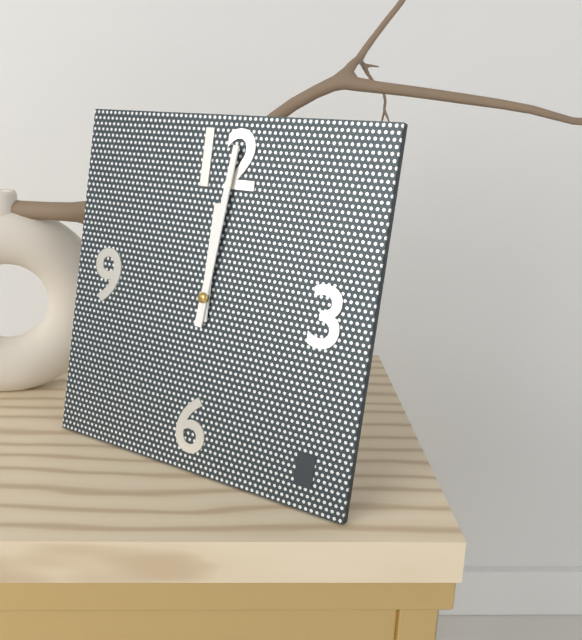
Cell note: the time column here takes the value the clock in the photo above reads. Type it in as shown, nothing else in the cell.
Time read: 12:01
